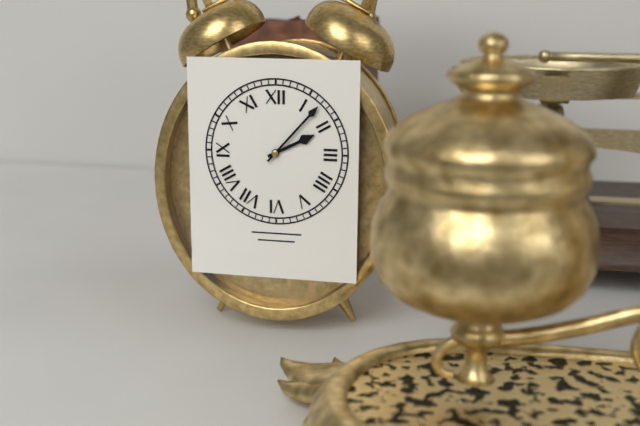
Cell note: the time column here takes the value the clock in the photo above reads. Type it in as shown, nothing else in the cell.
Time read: 2:07
